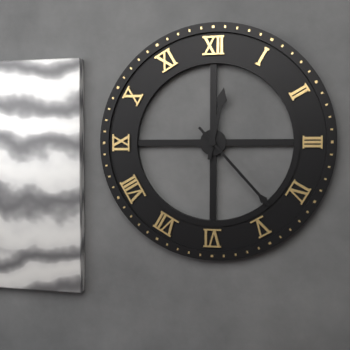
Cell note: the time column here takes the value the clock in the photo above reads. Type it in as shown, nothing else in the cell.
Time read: 12:23
